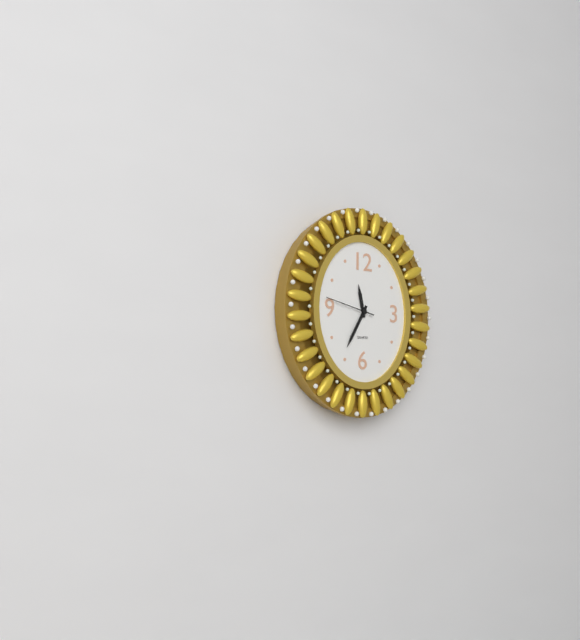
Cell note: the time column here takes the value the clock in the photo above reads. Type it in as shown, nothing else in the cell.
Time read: 11:35:47
